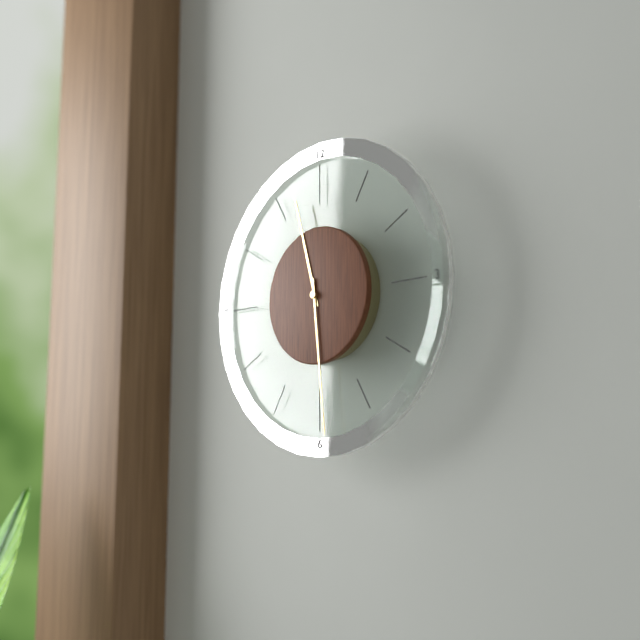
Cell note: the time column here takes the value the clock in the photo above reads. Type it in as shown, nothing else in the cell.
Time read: 11:29
